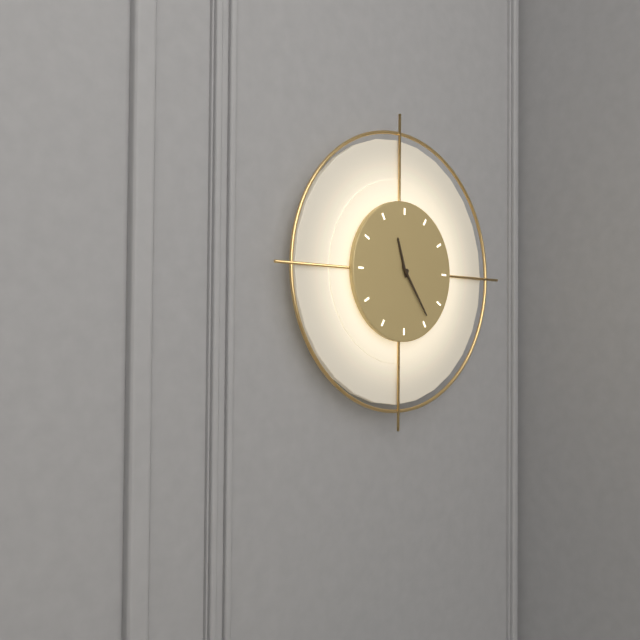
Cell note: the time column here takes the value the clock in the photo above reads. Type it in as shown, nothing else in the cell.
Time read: 11:24
